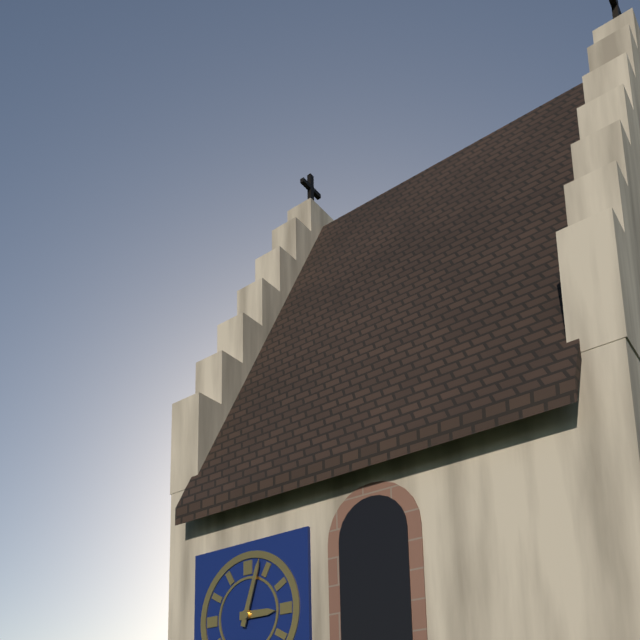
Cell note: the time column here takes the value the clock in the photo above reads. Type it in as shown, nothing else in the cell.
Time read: 3:03
